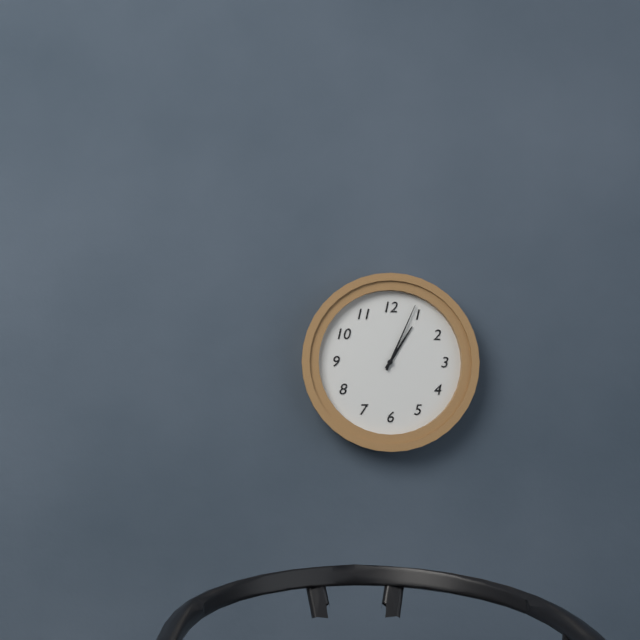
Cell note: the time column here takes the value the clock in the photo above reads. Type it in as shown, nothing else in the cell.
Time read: 1:04
